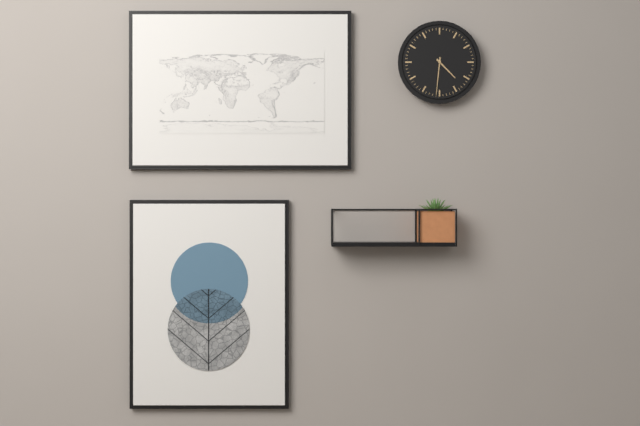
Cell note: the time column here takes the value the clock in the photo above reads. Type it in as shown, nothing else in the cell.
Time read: 4:31
